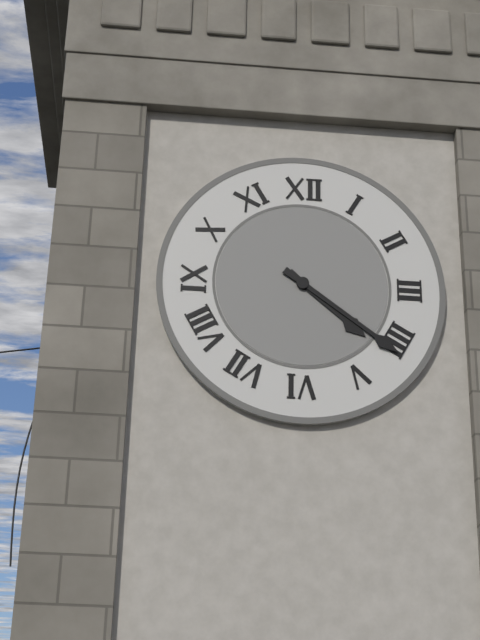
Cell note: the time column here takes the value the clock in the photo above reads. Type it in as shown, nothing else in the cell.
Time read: 4:21
